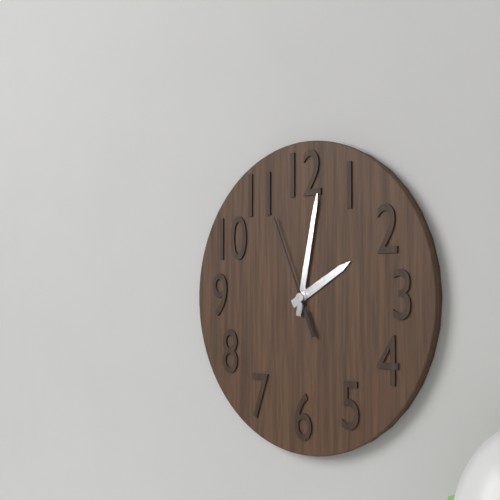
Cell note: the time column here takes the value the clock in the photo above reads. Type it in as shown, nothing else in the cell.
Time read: 2:02:56
